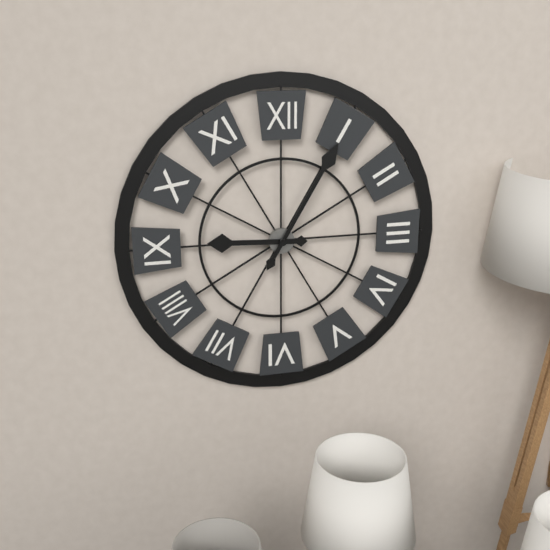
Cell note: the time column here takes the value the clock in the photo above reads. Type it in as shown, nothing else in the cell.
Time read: 9:05
